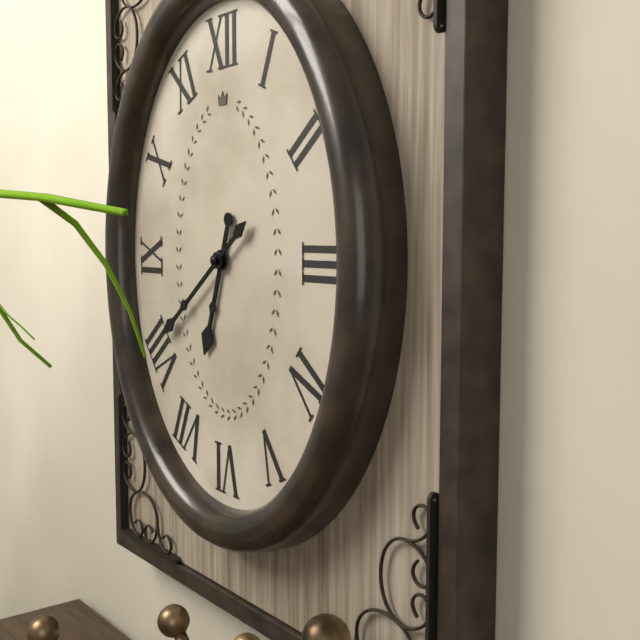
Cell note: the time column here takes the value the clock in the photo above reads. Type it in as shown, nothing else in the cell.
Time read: 6:39
